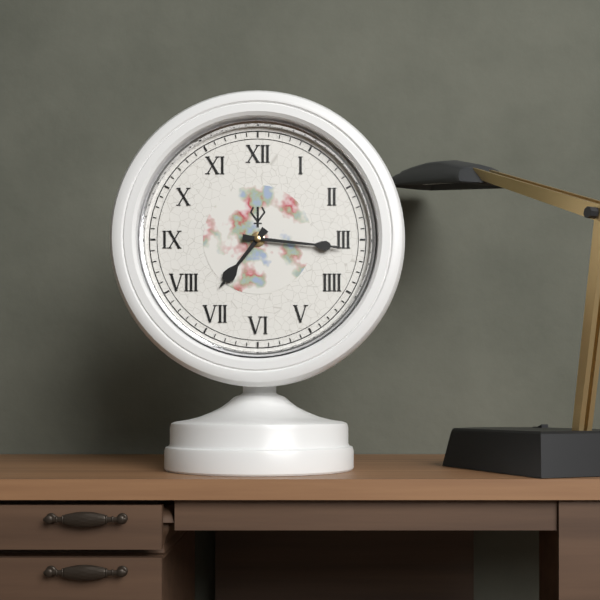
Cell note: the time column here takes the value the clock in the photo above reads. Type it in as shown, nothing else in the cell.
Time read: 7:16
